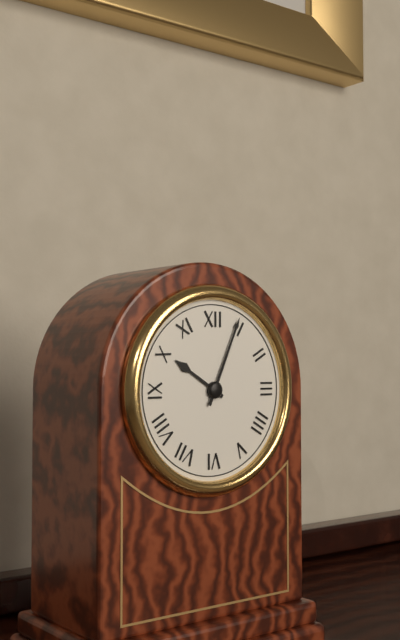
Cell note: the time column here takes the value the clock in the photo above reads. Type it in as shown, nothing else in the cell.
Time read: 10:04
